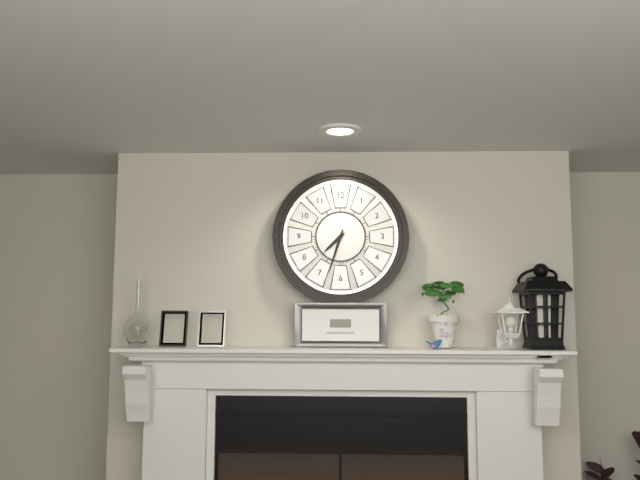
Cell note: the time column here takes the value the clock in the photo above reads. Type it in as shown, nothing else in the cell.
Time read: 7:33
